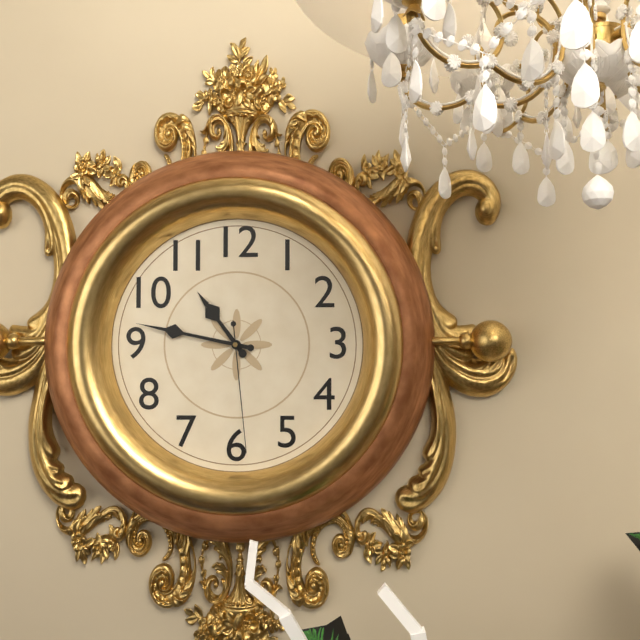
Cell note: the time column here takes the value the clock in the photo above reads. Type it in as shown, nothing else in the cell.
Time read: 10:47:29
